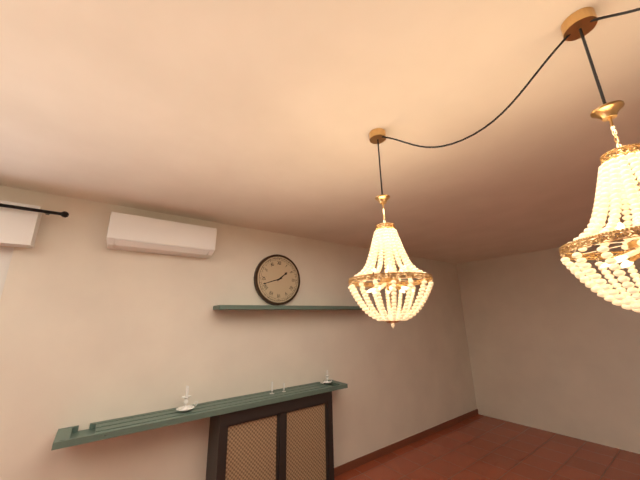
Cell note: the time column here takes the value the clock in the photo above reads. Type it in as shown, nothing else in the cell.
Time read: 1:42
